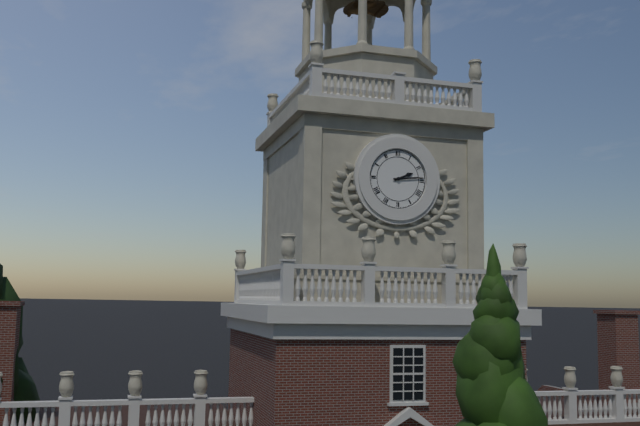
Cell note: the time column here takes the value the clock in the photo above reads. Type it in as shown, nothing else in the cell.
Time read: 2:14
